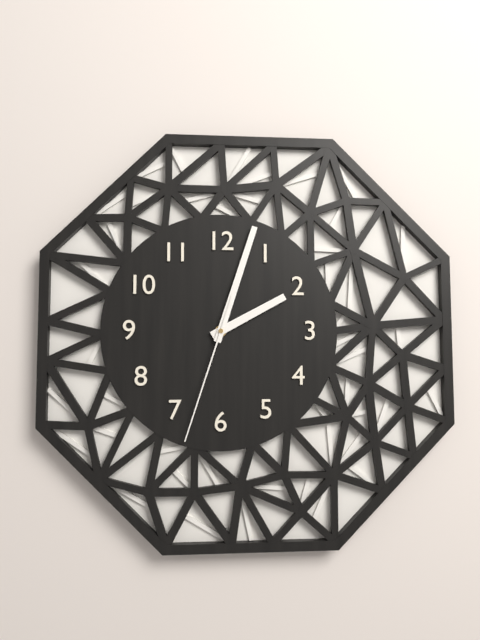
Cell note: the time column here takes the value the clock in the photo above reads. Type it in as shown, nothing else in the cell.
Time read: 2:03:33
